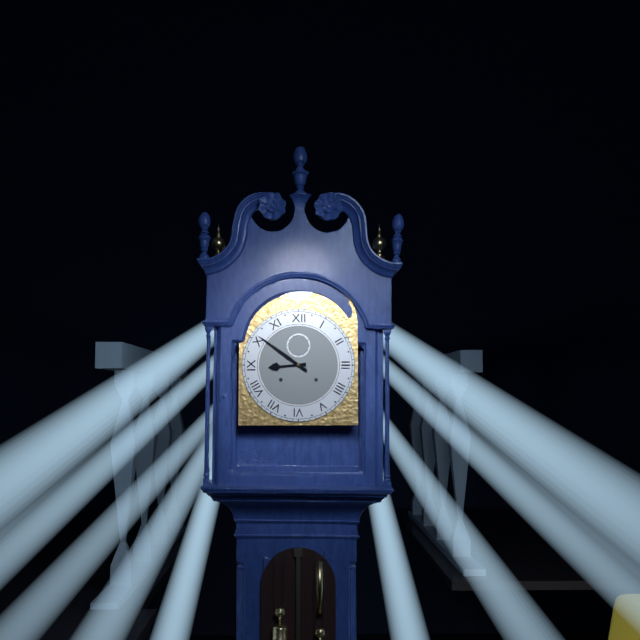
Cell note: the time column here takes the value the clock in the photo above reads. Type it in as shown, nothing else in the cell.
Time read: 8:51
